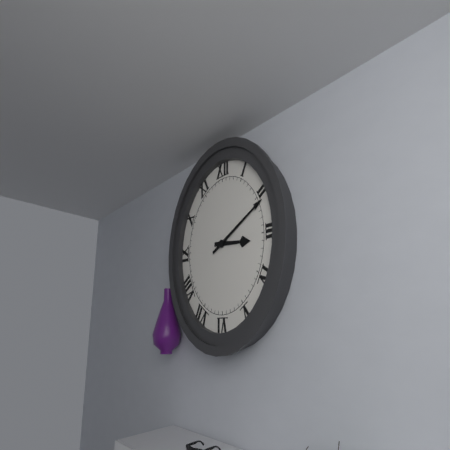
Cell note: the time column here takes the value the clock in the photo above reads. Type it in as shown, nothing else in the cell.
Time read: 3:11
